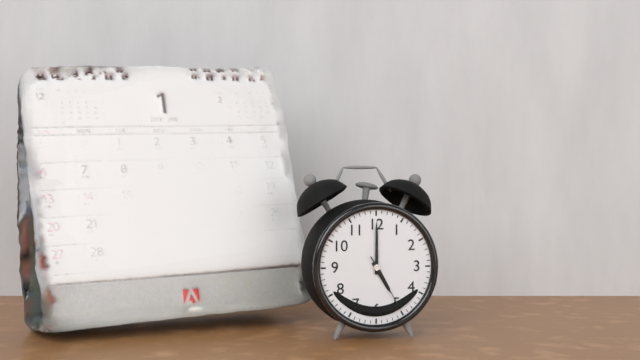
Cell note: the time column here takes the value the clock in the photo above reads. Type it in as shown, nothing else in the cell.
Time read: 5:00:25
